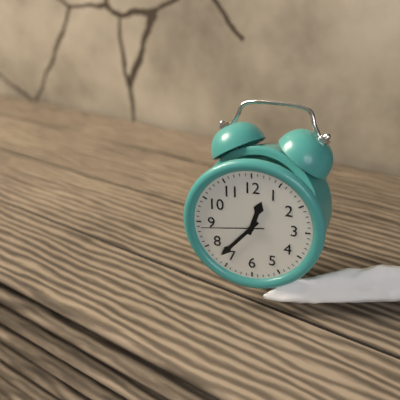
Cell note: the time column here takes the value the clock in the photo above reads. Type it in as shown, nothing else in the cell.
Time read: 12:37:44
